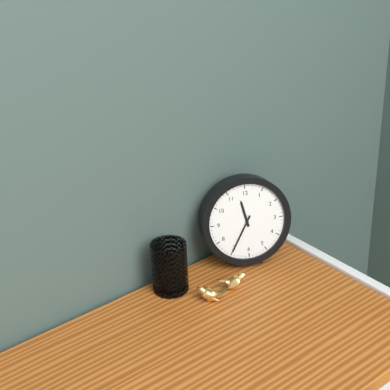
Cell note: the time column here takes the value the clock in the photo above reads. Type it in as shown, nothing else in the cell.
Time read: 11:35
